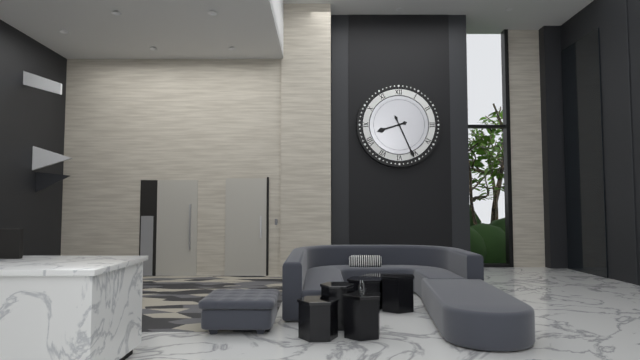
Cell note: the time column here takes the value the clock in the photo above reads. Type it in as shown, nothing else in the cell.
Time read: 8:26
